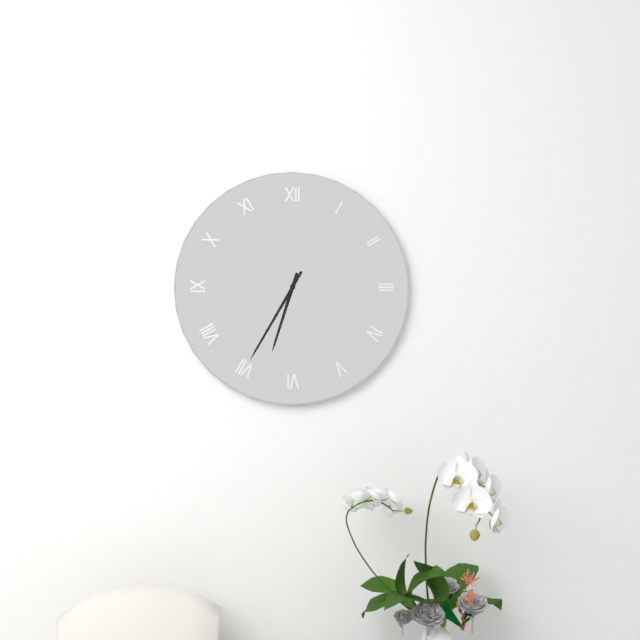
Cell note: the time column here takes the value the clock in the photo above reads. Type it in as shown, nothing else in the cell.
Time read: 6:35
